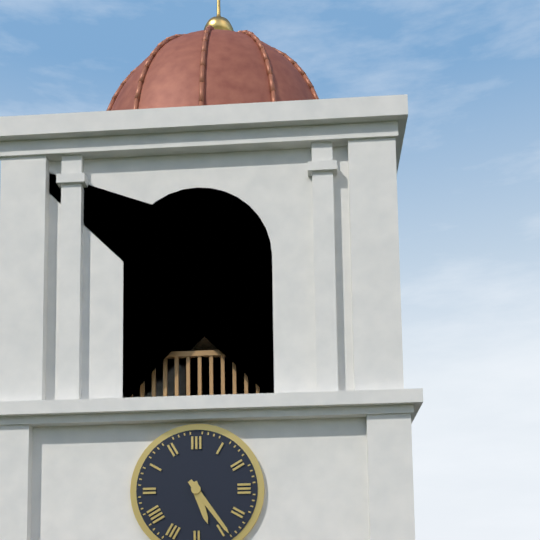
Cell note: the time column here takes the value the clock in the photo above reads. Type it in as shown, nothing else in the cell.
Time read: 5:24
